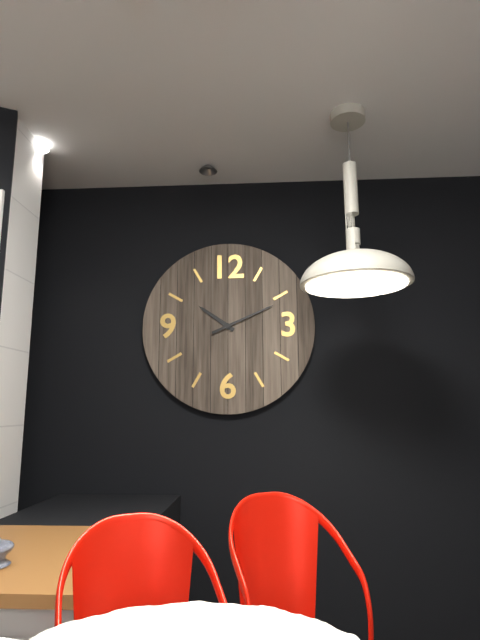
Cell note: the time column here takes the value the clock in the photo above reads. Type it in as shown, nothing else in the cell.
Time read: 10:11
